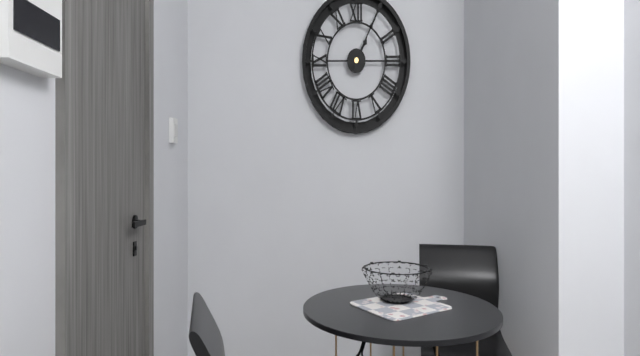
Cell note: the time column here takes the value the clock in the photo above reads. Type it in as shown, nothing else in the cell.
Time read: 1:05
